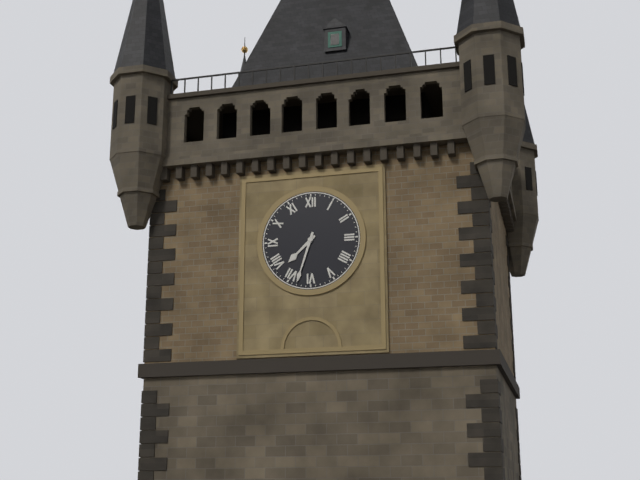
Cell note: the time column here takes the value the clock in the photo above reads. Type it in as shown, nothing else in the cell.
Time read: 7:33
